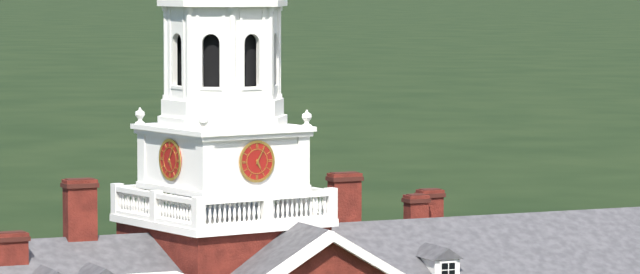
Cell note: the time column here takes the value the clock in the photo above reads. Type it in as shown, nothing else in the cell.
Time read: 5:05
